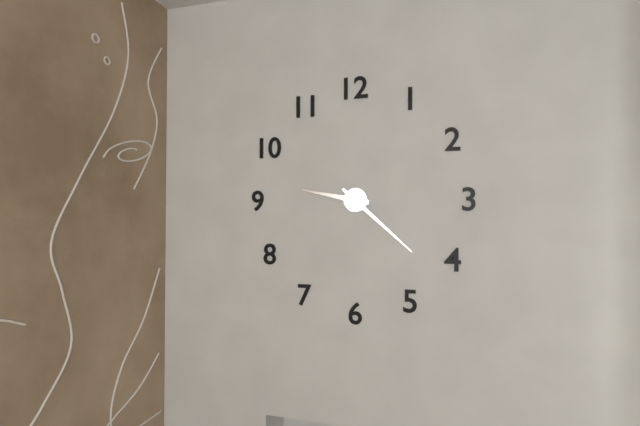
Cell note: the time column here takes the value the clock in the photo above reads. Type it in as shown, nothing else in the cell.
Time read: 9:22
